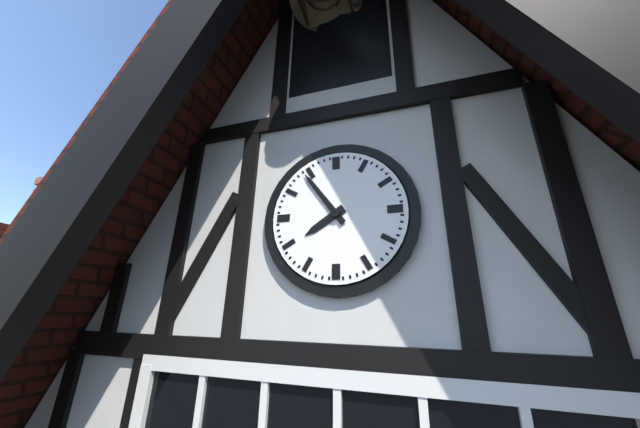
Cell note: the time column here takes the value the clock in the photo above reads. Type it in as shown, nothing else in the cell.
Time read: 7:54
